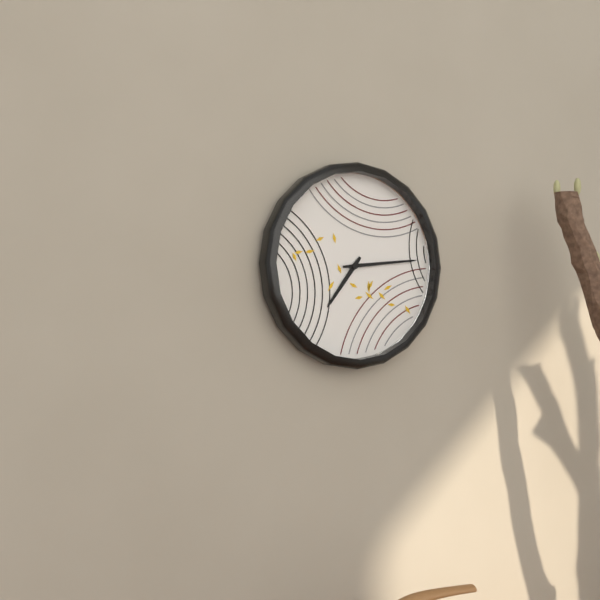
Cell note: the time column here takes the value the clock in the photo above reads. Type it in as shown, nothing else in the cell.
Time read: 7:14
